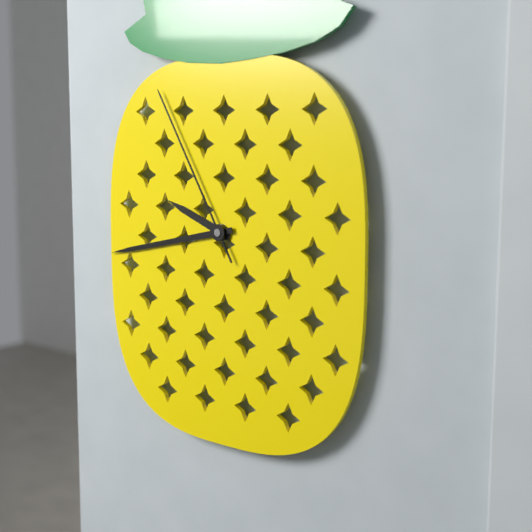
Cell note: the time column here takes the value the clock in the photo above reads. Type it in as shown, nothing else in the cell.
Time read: 9:43:55
